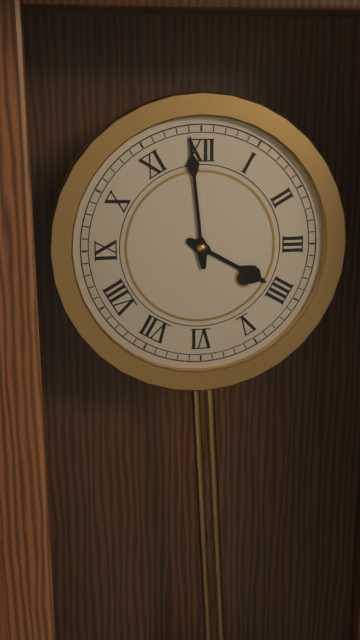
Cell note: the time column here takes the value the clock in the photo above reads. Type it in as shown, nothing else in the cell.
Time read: 3:59
